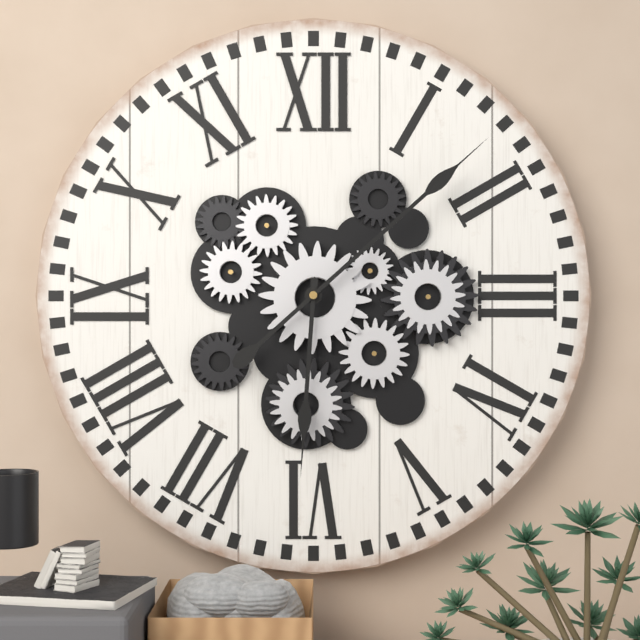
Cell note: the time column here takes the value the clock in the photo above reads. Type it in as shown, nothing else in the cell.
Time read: 6:08
